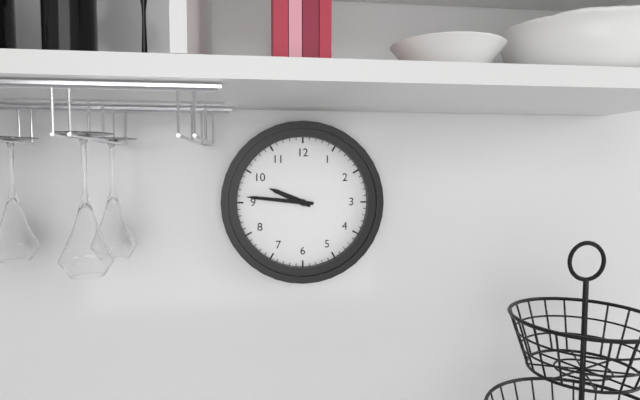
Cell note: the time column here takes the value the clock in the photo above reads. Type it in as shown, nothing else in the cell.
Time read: 9:46
